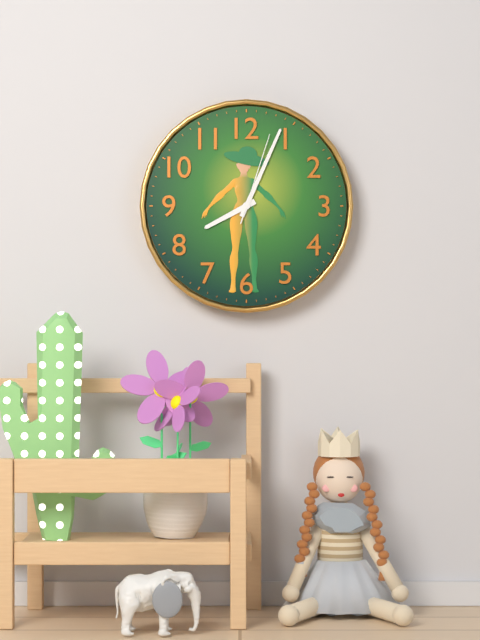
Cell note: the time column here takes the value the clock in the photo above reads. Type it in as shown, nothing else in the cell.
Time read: 8:04:03
